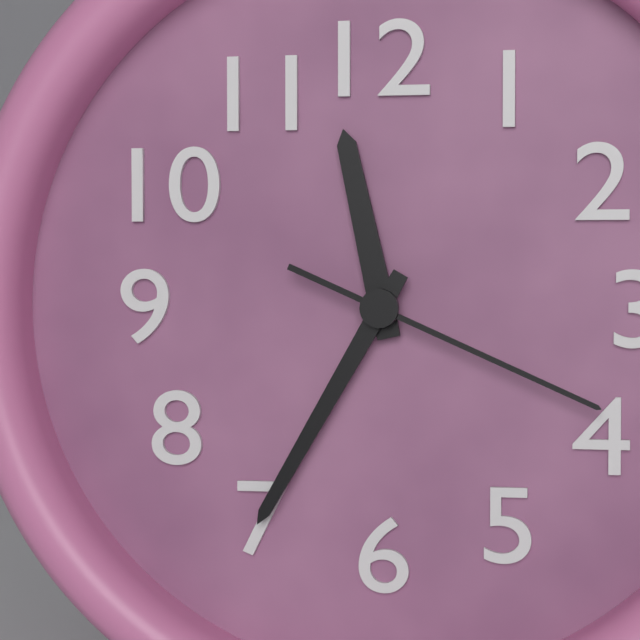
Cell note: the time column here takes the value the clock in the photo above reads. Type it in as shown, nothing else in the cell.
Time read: 11:35:19
